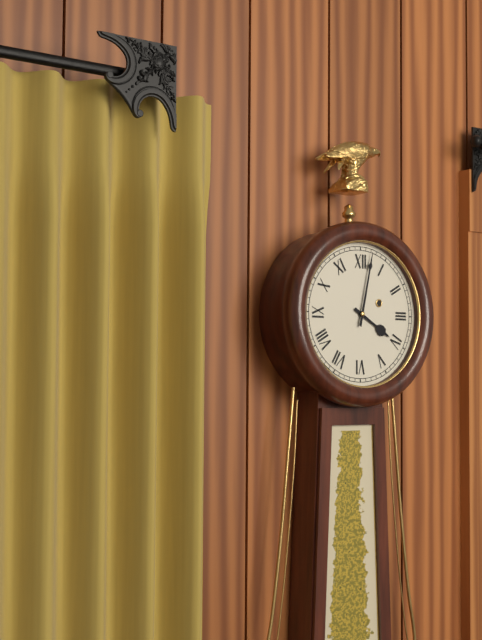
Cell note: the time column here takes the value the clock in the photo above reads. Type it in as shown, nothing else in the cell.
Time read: 4:02
